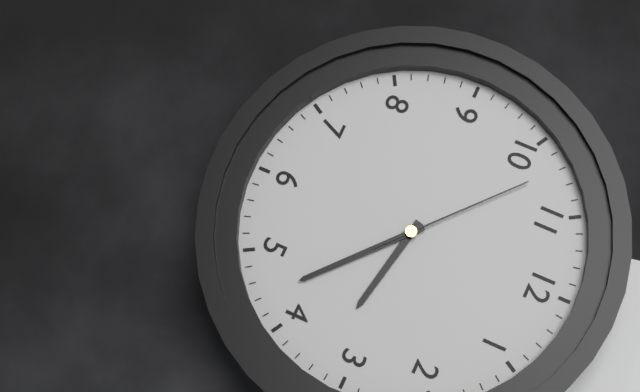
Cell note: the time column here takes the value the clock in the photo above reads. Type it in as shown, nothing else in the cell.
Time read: 3:22:52
